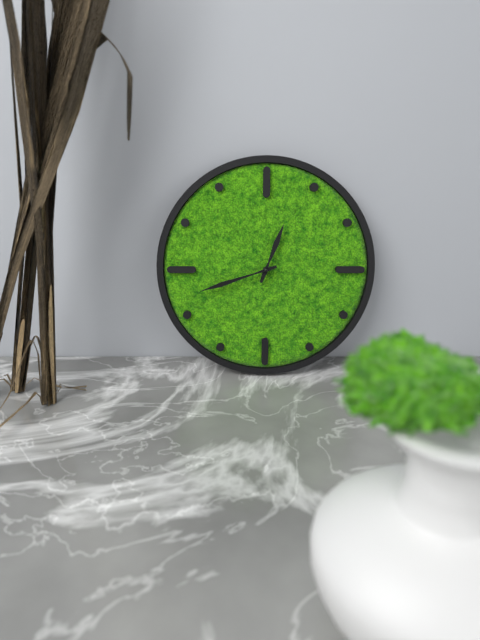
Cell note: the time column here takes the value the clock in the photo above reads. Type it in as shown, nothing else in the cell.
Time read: 12:42
